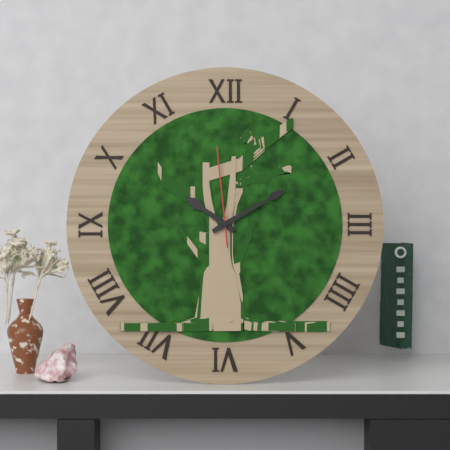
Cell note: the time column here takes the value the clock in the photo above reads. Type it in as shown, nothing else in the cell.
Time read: 10:10:59
